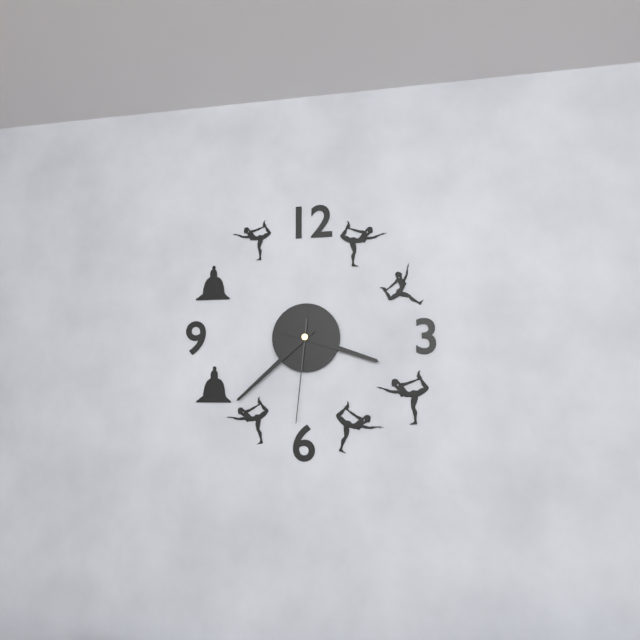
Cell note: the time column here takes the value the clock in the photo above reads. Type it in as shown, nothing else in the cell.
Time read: 3:38:31
